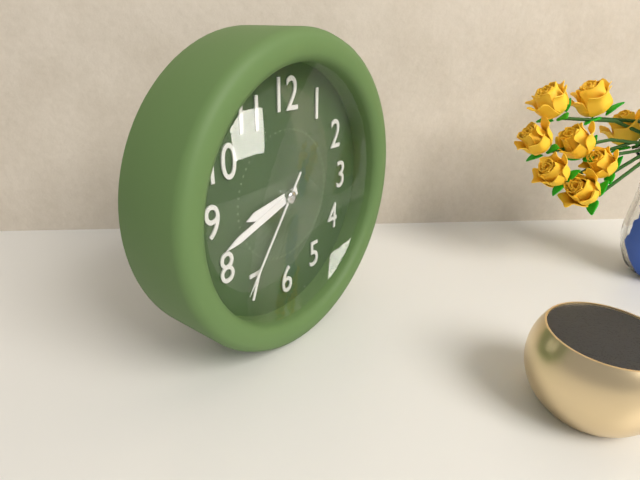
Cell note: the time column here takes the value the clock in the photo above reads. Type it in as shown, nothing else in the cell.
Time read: 8:42:36
